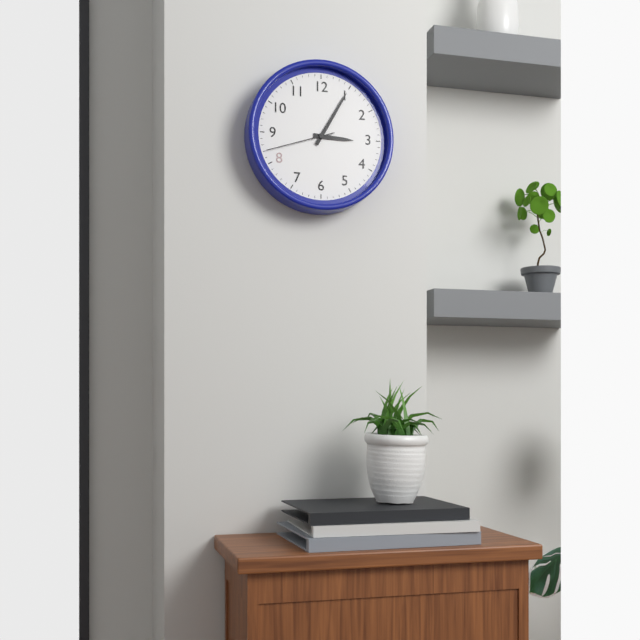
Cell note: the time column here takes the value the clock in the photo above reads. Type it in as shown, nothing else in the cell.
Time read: 3:05:42
